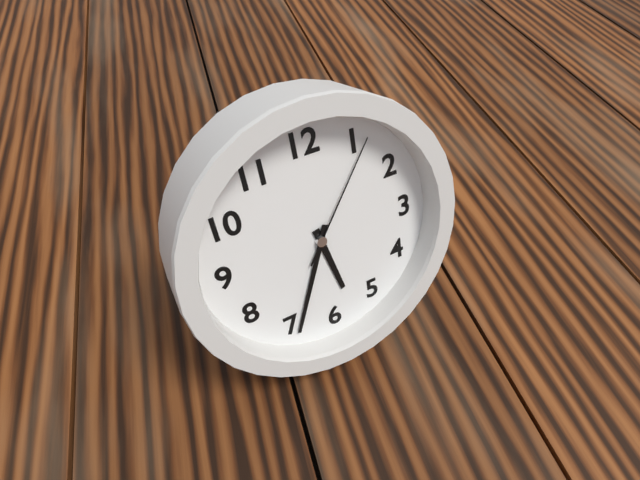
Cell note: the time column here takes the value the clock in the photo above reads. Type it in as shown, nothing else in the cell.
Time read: 5:34:06
